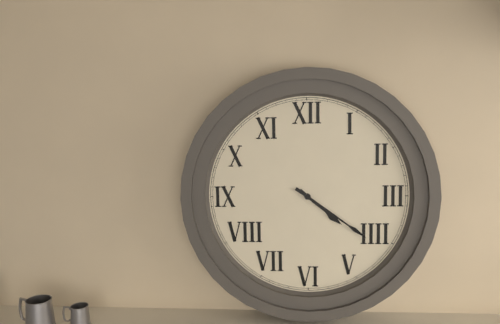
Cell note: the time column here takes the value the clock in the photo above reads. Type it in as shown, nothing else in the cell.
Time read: 4:21
